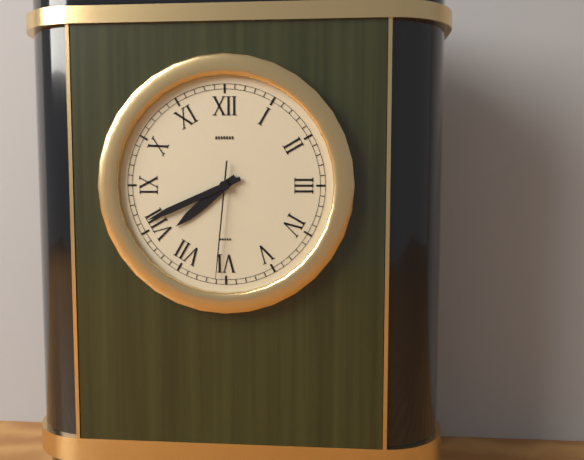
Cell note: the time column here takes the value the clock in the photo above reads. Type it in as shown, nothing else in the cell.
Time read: 7:41:31
